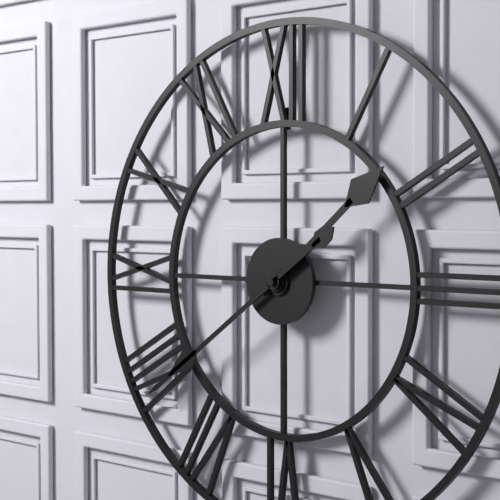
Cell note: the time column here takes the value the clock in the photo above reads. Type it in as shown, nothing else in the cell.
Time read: 1:39
